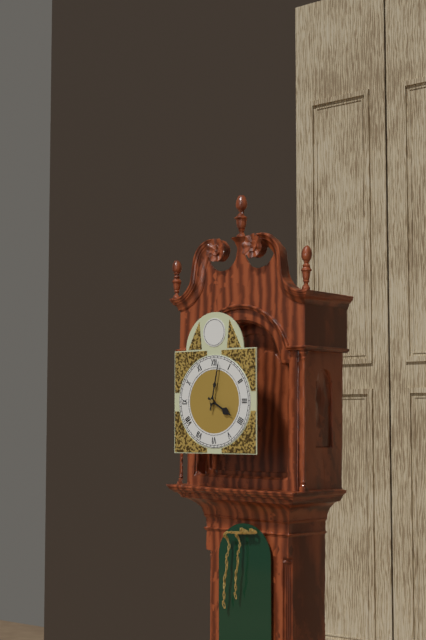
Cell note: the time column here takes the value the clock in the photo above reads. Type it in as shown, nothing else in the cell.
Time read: 4:02
